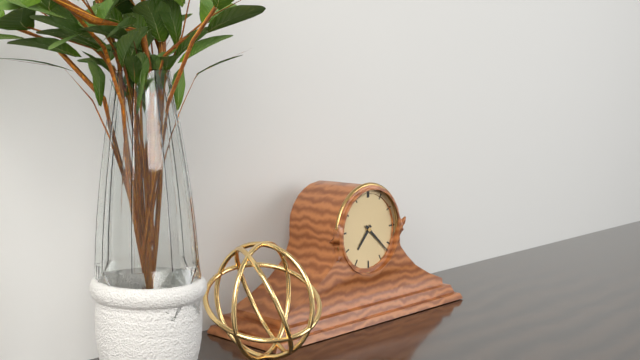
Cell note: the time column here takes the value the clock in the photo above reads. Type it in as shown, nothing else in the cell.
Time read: 7:22
